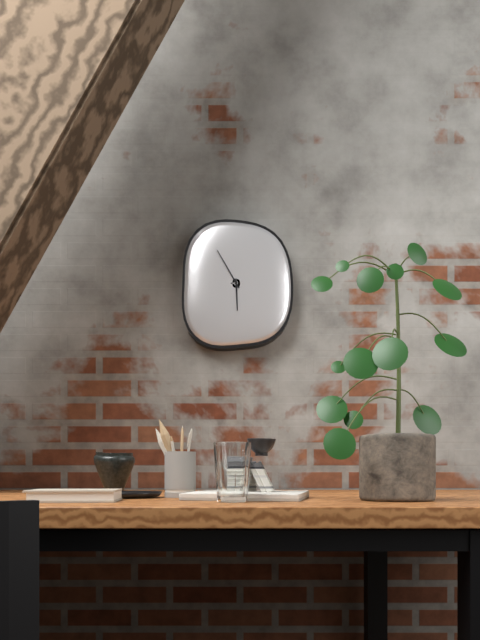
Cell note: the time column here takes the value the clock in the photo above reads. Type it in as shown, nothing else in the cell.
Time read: 5:55
